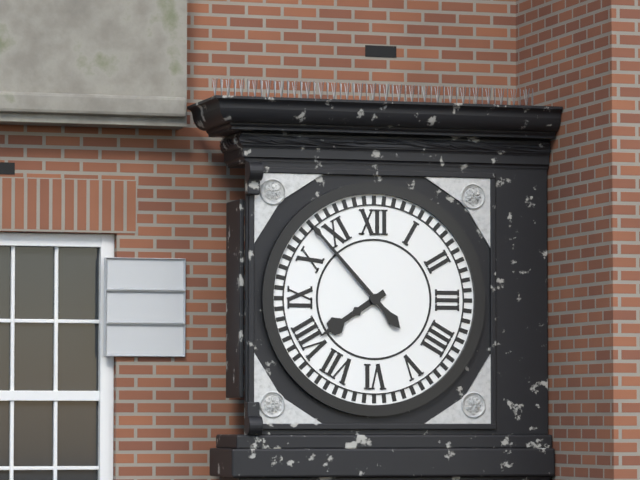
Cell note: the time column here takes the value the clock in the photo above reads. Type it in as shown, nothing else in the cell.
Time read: 7:53
